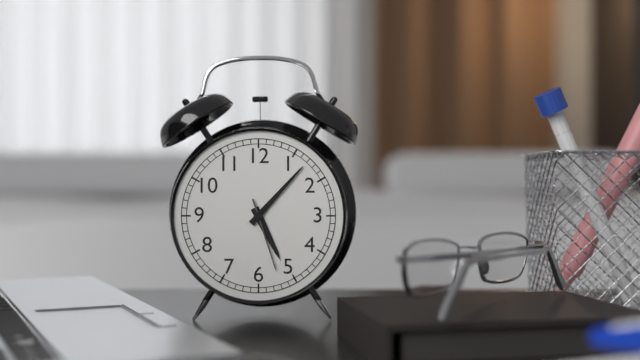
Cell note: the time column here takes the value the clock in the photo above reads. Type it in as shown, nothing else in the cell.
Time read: 5:07:27
